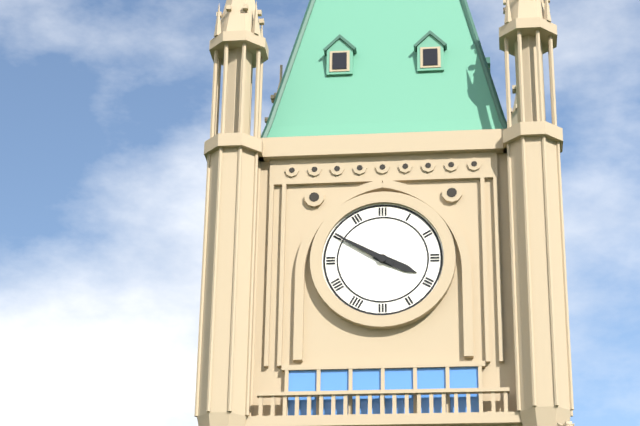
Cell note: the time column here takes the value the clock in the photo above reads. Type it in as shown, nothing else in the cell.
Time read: 3:50
